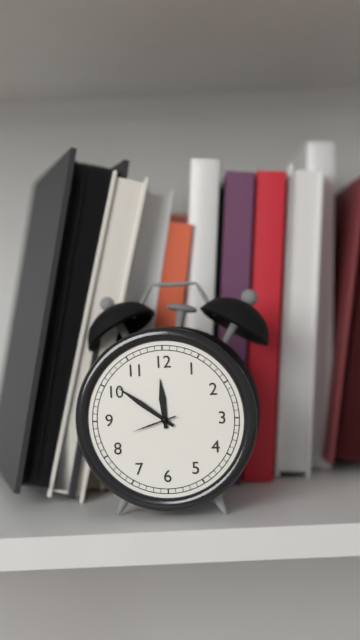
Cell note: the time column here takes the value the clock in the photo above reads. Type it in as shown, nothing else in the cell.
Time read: 11:51
